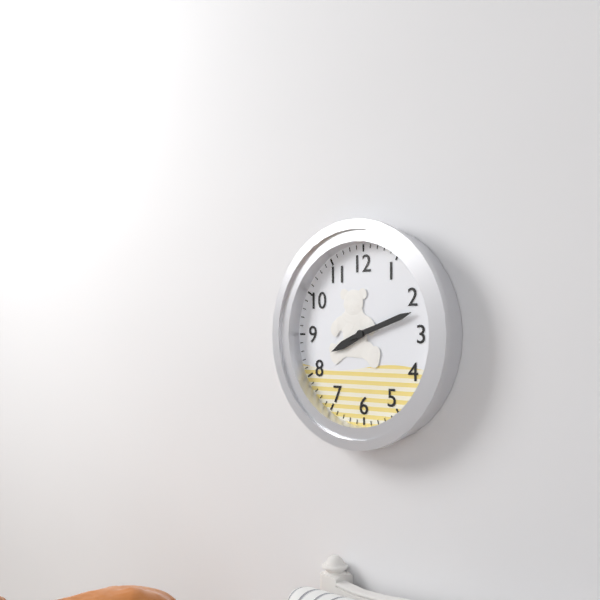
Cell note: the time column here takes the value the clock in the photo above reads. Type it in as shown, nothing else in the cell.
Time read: 8:12
